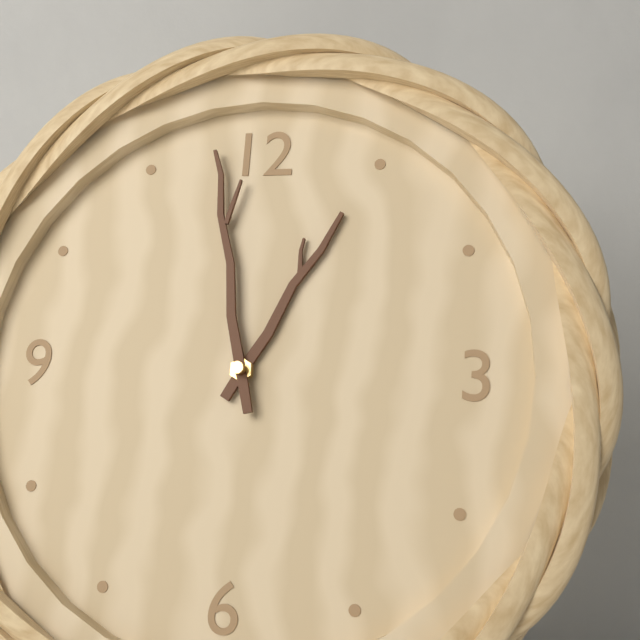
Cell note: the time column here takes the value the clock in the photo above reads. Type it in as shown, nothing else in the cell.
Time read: 12:58
